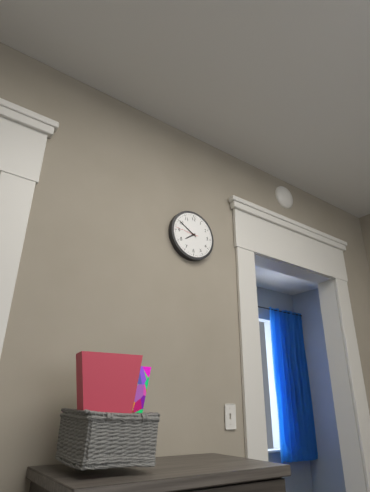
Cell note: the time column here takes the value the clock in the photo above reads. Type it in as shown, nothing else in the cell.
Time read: 7:50
